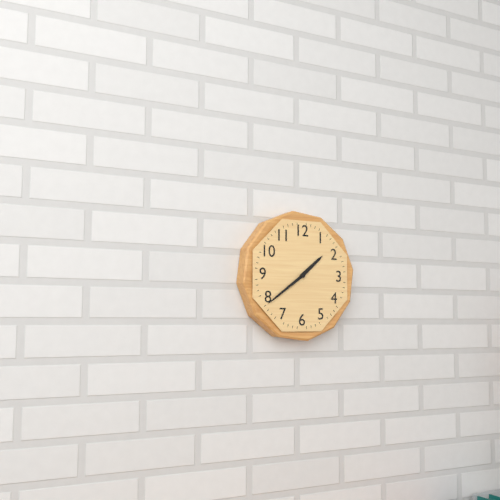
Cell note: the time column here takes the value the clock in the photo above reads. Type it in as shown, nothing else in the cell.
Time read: 1:39
